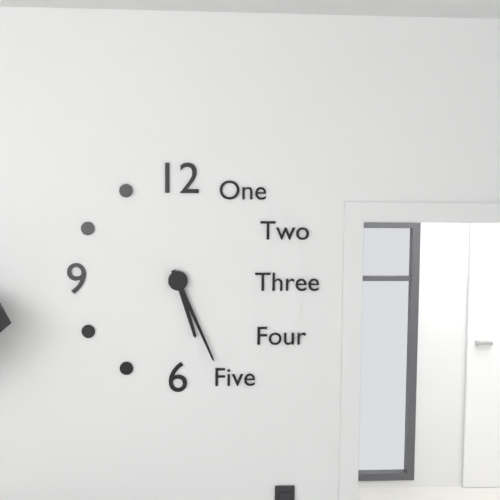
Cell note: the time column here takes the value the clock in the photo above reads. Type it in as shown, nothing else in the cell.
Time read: 5:26
